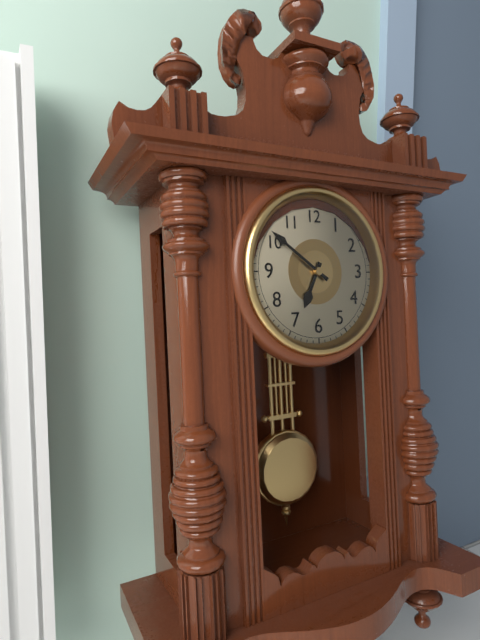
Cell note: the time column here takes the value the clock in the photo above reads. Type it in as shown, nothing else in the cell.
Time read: 6:51
